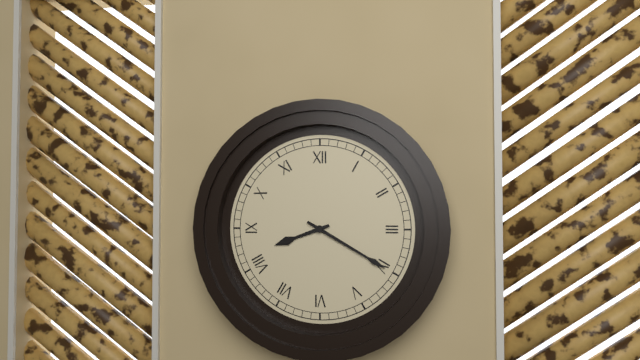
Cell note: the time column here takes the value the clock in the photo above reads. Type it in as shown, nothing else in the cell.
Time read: 8:20
